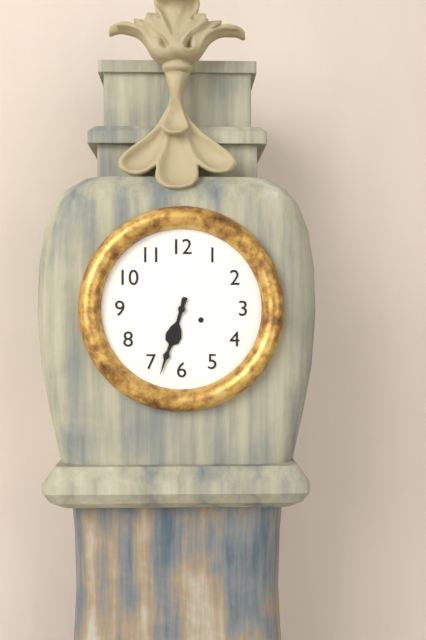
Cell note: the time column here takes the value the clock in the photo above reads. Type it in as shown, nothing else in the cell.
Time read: 6:33
